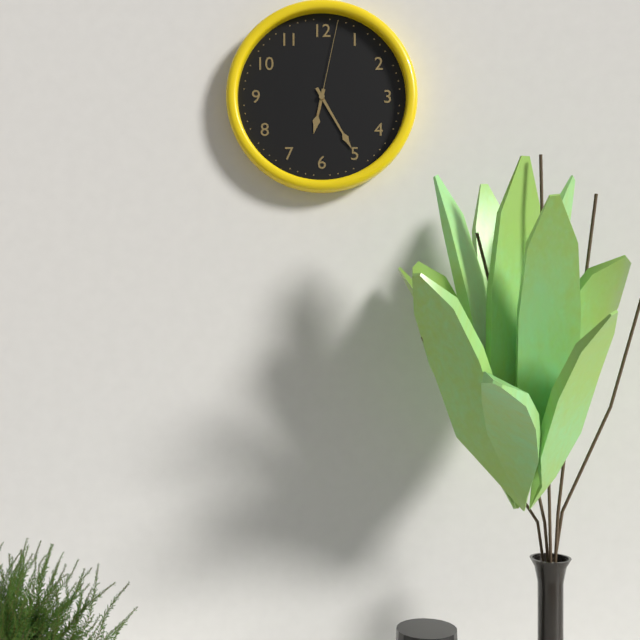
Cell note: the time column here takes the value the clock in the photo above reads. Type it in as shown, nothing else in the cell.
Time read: 6:25:02
